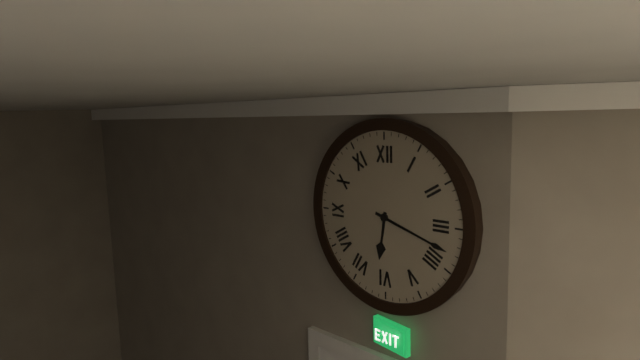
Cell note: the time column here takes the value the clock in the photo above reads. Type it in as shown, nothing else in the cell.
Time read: 6:18
